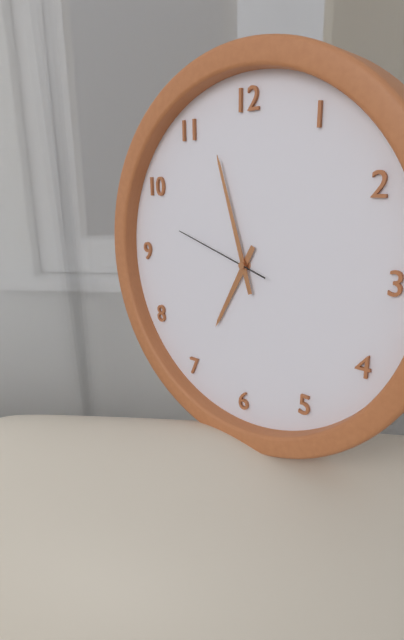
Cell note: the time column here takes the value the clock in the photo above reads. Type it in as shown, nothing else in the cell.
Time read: 6:57:48
